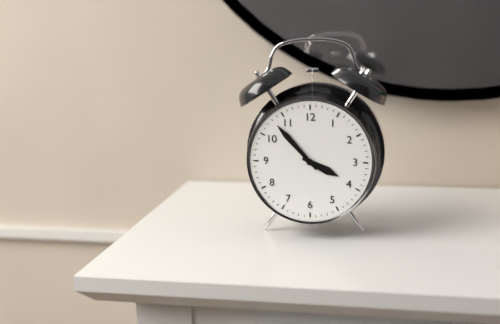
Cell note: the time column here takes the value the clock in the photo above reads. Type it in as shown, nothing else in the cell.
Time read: 3:53
